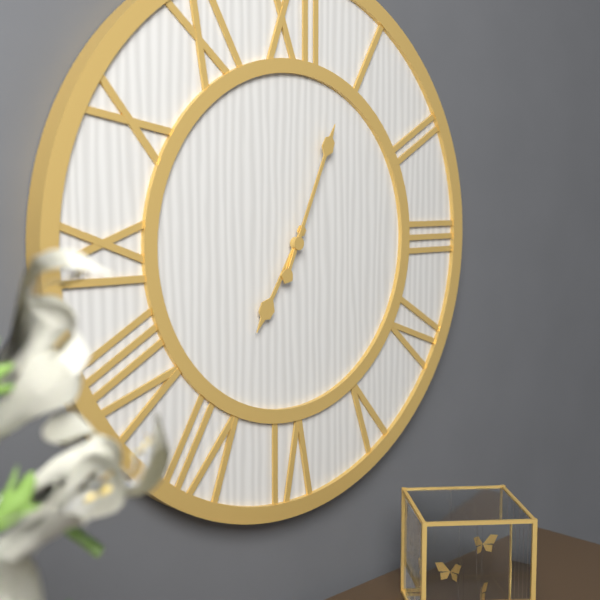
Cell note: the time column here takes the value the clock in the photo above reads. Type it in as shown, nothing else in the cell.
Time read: 7:04
